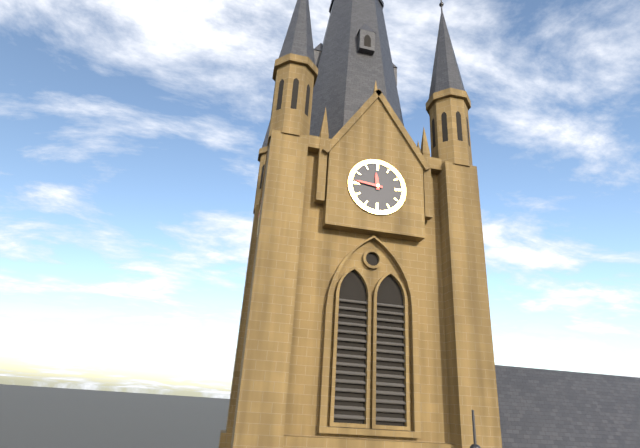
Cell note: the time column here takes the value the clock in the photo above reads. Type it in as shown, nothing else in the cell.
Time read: 11:46
